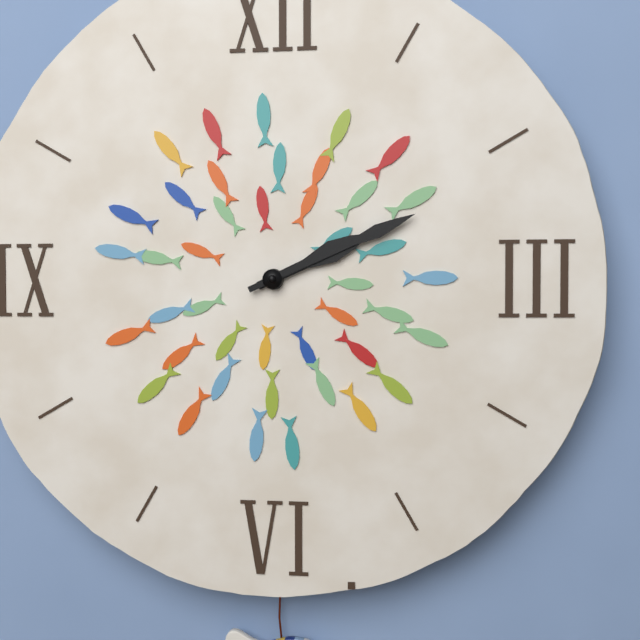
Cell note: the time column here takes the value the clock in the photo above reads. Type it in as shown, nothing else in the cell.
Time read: 2:11
